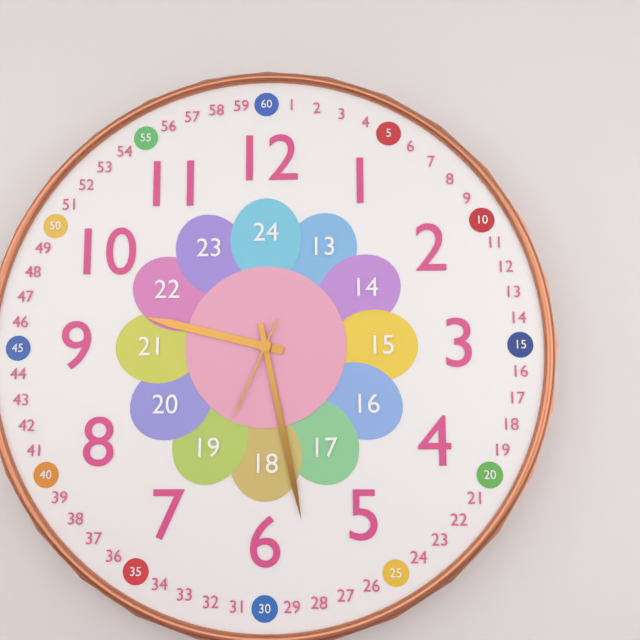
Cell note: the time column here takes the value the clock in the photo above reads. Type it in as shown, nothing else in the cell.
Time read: 9:28:34
